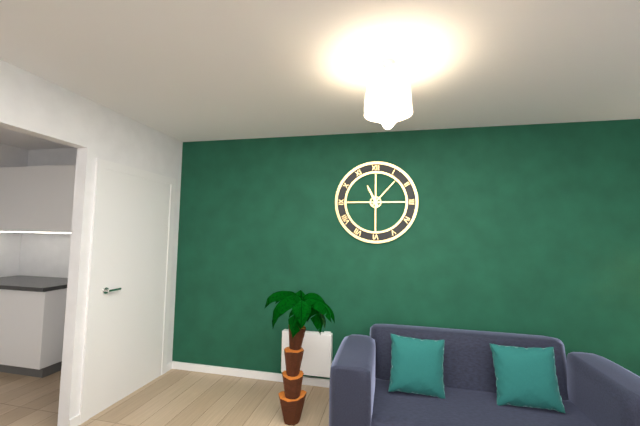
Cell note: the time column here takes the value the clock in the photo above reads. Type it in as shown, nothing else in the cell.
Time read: 11:07
